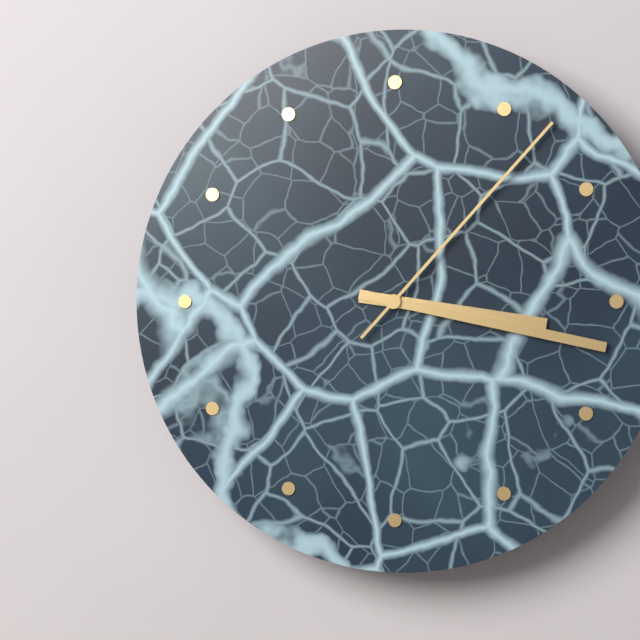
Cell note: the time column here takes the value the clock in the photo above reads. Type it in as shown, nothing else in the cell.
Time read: 3:17:07
